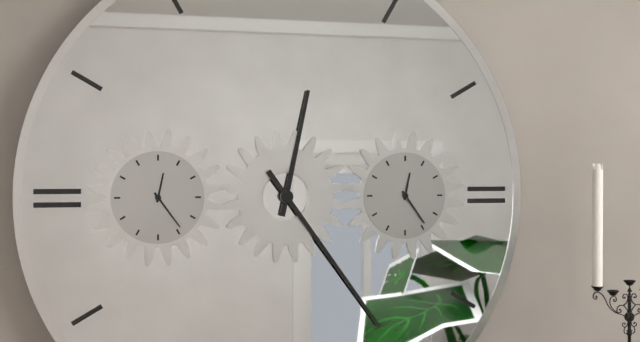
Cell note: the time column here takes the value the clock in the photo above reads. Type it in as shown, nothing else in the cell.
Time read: 12:24
